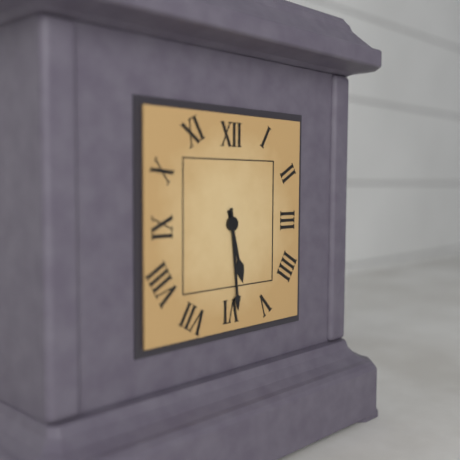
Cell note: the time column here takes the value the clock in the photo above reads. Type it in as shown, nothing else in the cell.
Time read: 5:29
